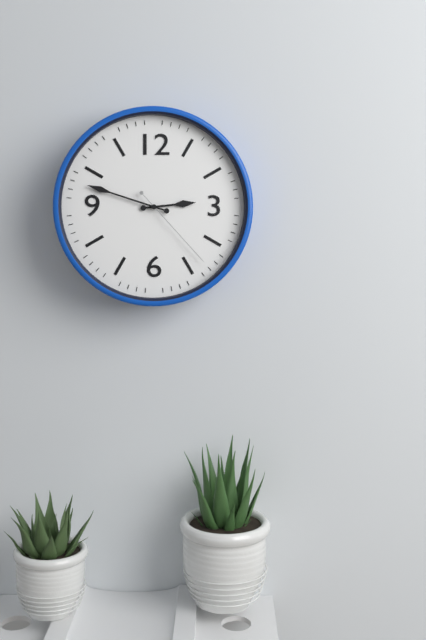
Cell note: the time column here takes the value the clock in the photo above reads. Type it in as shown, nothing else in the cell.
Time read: 2:48:23
